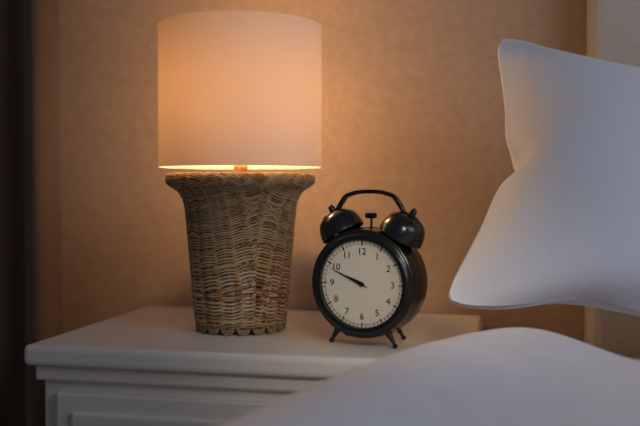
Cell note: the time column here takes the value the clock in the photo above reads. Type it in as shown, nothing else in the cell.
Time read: 9:49
